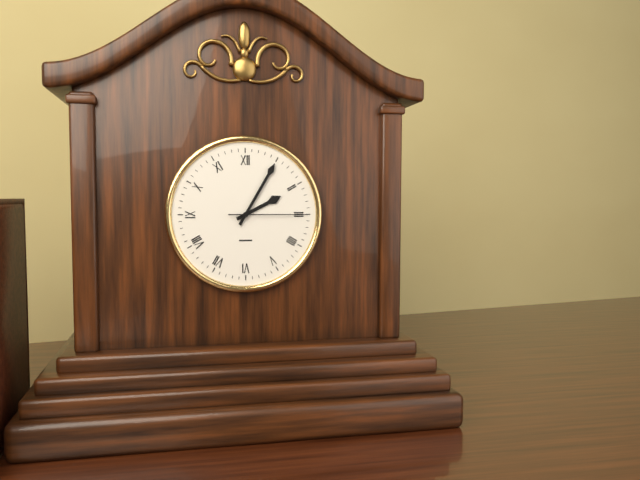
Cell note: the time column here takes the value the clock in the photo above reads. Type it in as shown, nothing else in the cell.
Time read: 2:05:15
